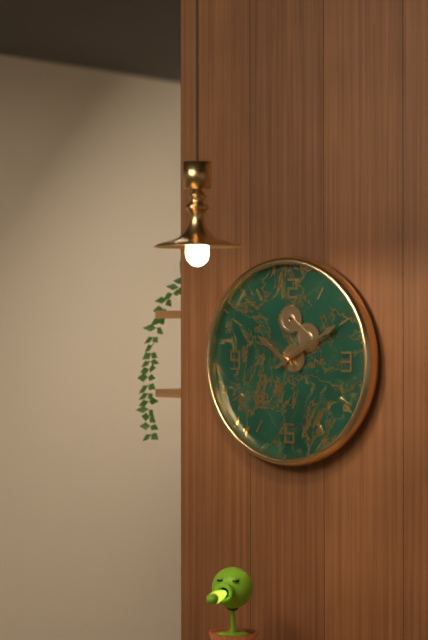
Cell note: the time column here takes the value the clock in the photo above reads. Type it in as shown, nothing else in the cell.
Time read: 10:10
